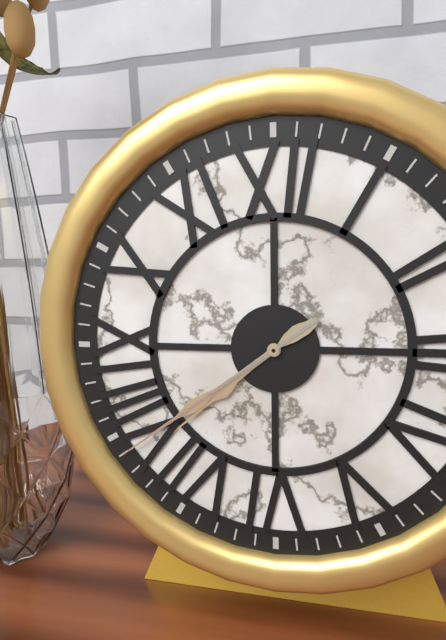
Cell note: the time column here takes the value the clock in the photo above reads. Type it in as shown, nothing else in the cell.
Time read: 7:39:39
